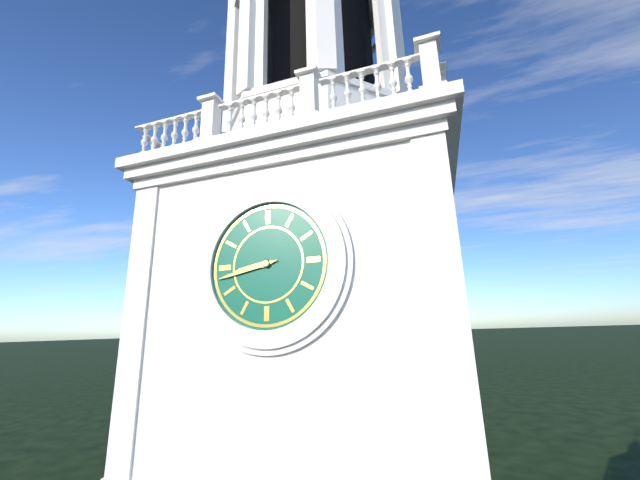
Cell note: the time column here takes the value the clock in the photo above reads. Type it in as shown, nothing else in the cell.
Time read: 8:43
